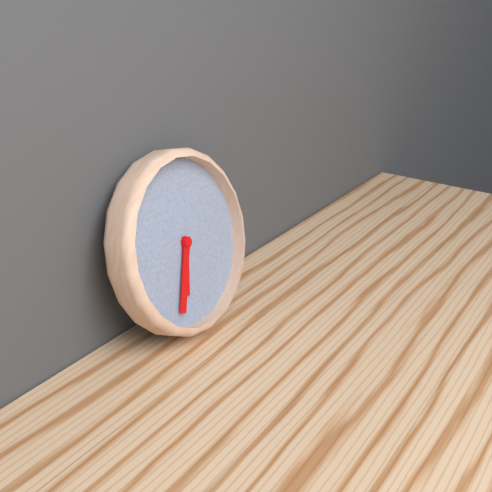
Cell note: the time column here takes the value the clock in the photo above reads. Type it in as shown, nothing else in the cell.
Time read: 6:34
